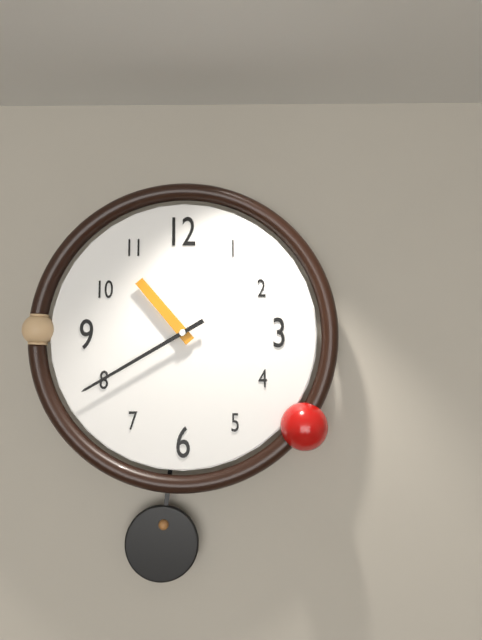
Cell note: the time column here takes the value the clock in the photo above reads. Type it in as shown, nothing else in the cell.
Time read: 10:40
